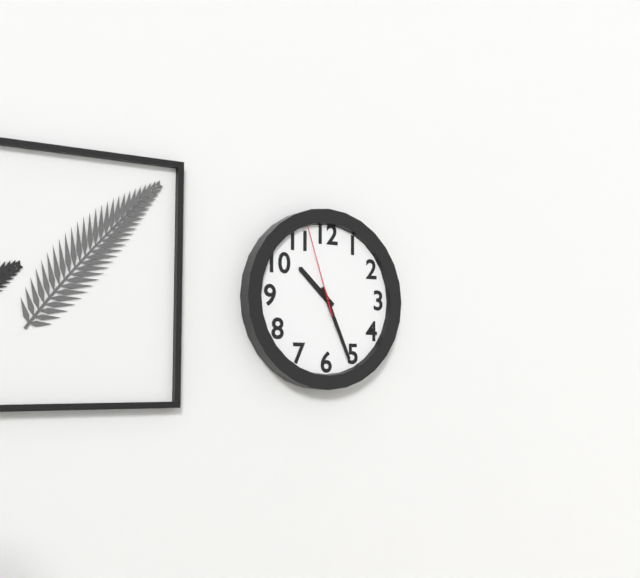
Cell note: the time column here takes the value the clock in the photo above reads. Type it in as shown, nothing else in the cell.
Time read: 10:26:57
